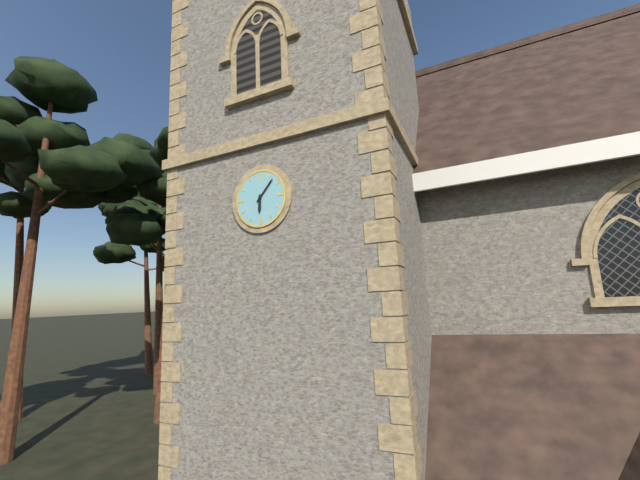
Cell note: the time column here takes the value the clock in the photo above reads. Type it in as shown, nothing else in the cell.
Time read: 6:07
